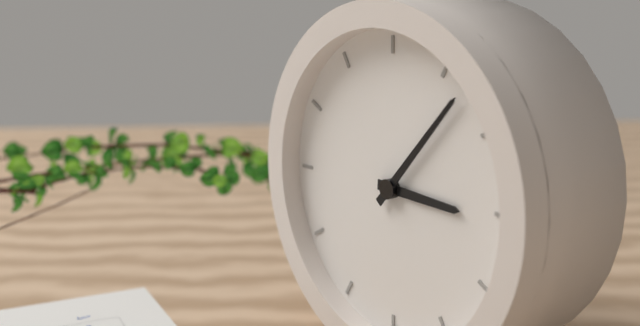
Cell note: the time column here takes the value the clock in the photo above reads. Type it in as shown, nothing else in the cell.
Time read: 3:07
